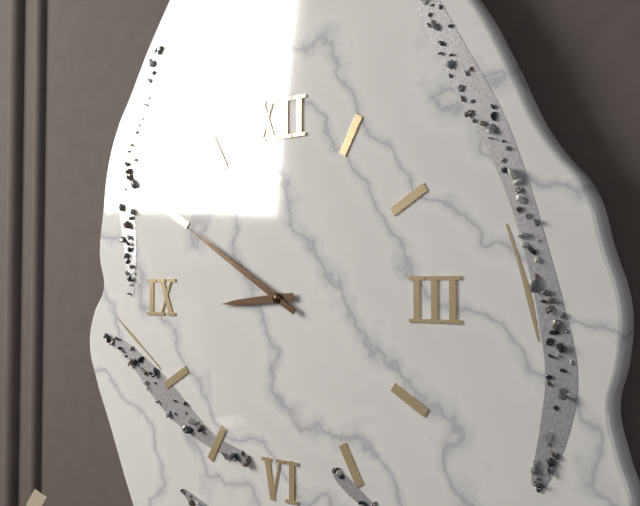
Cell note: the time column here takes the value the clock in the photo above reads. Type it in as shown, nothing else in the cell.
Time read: 8:50
